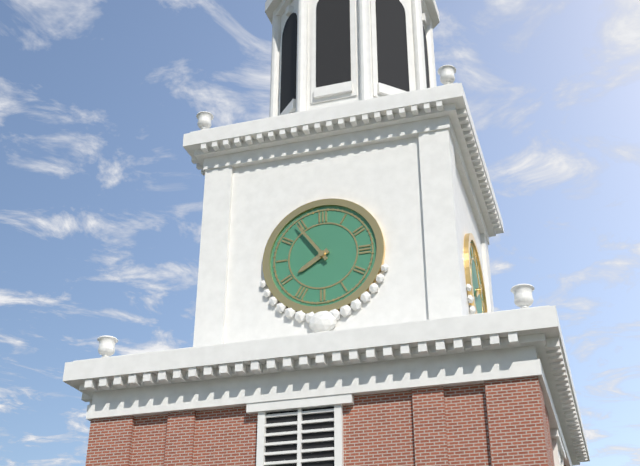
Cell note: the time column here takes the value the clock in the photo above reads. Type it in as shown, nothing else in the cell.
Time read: 7:54
